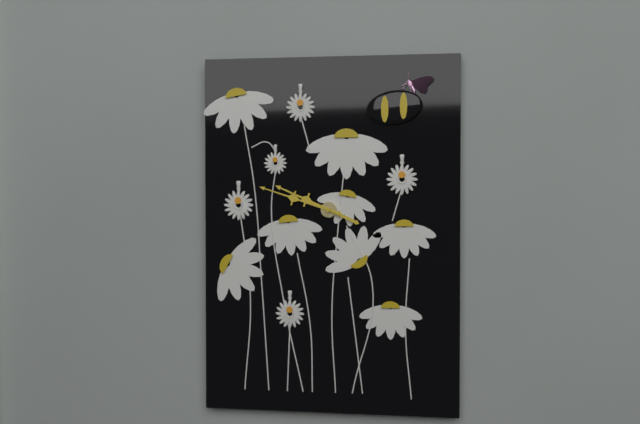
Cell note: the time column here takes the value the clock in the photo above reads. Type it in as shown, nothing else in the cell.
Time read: 9:48
